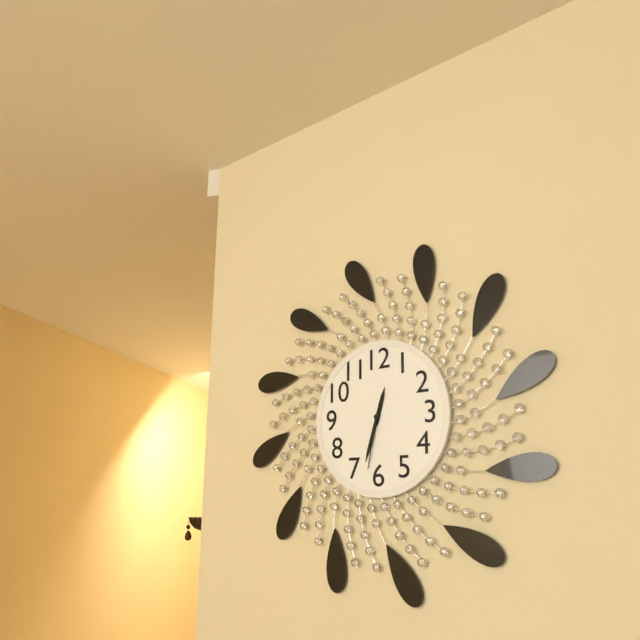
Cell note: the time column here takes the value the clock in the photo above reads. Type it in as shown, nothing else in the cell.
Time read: 12:33:32
